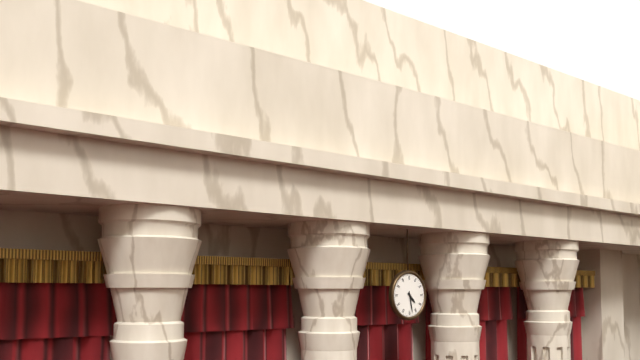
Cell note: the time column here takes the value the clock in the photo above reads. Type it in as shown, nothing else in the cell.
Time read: 4:28
